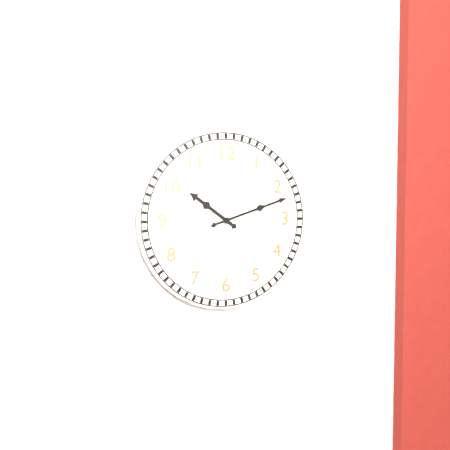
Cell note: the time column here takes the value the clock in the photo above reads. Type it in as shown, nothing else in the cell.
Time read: 10:12
